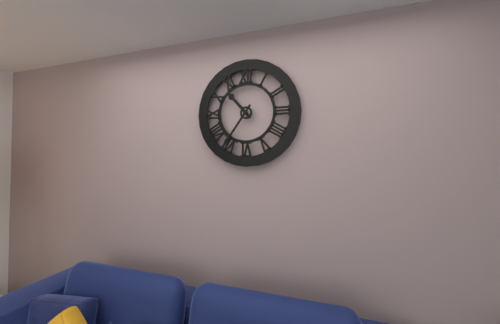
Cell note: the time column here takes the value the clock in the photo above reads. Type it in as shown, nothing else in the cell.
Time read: 10:36
